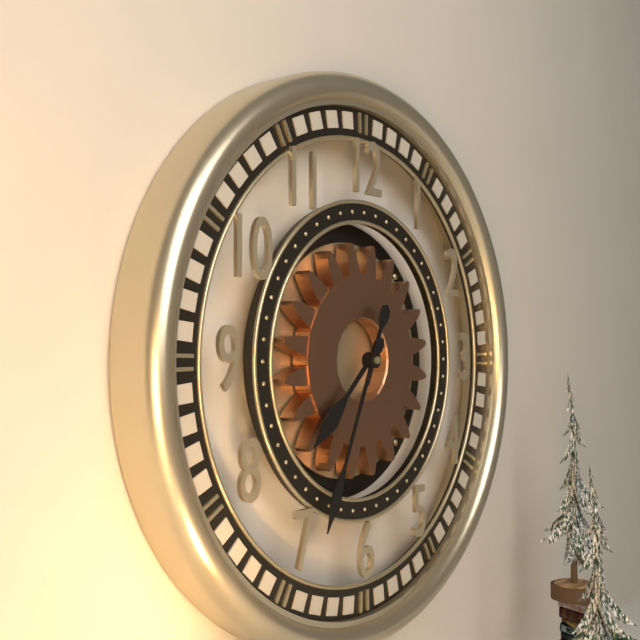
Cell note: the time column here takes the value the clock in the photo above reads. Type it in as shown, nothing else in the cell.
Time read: 7:34
